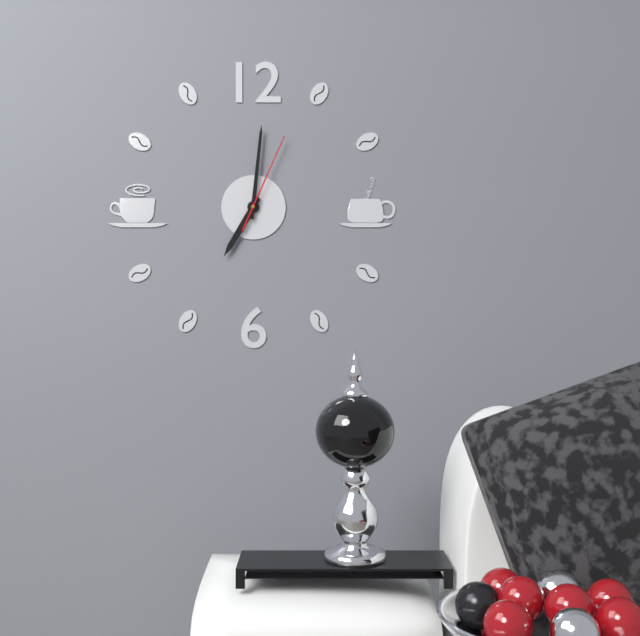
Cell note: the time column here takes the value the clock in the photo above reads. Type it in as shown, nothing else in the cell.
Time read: 7:01:04
